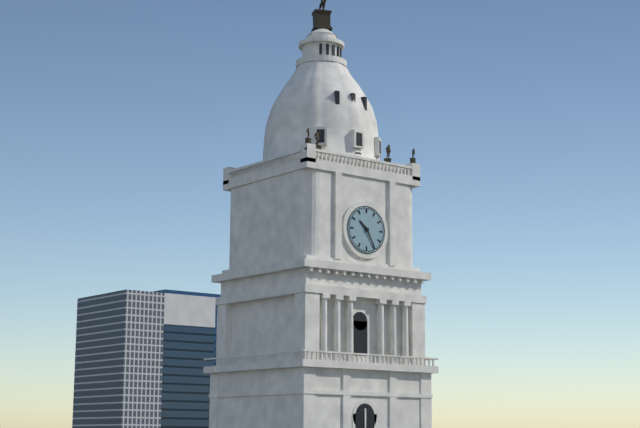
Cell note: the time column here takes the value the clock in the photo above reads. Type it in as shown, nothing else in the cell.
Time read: 10:25
